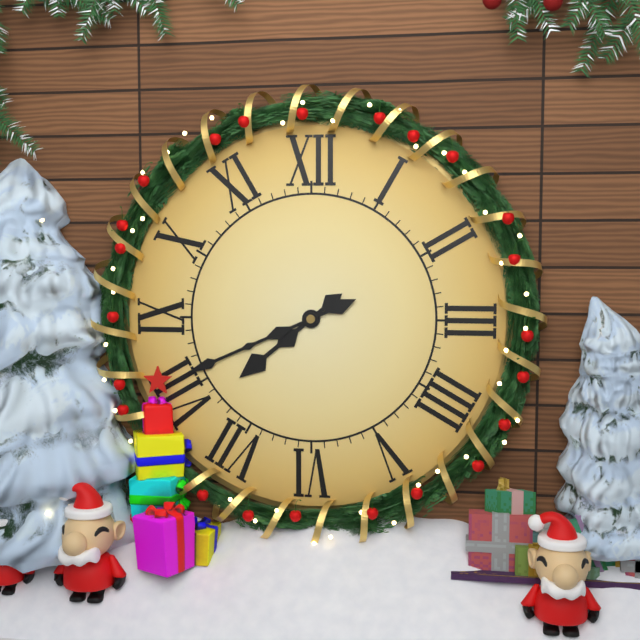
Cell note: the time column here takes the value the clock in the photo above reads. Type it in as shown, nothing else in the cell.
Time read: 7:41
